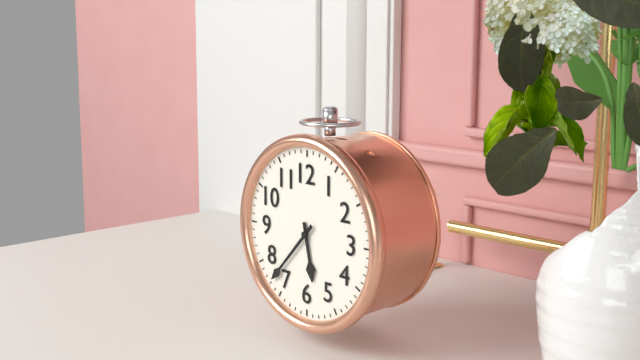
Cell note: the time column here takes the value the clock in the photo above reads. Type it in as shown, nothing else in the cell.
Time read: 5:37
